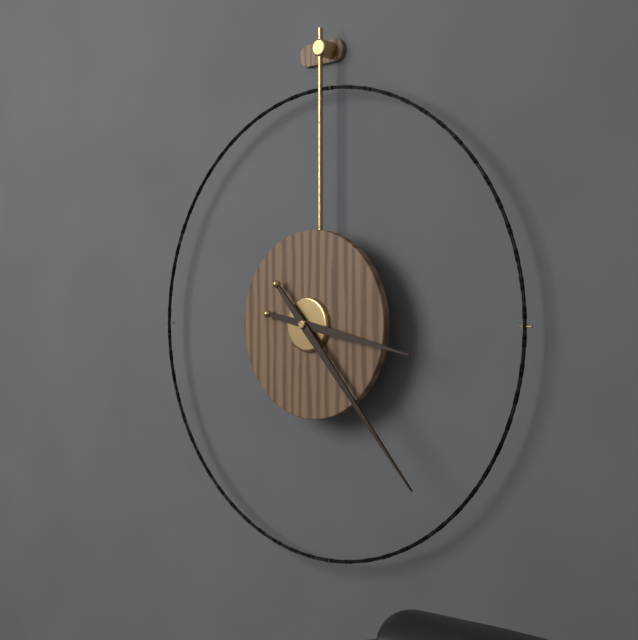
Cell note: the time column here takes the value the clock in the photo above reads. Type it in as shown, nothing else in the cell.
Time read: 3:23
